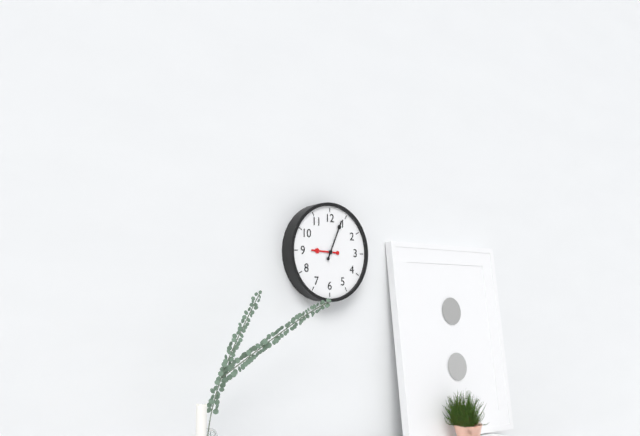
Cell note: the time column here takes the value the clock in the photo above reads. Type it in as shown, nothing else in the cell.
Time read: 9:04
